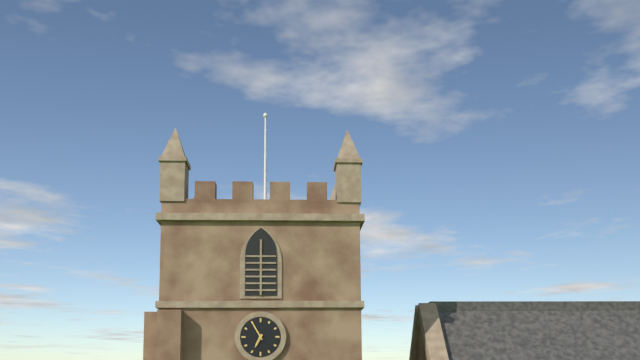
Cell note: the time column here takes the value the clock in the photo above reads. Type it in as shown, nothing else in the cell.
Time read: 6:55
